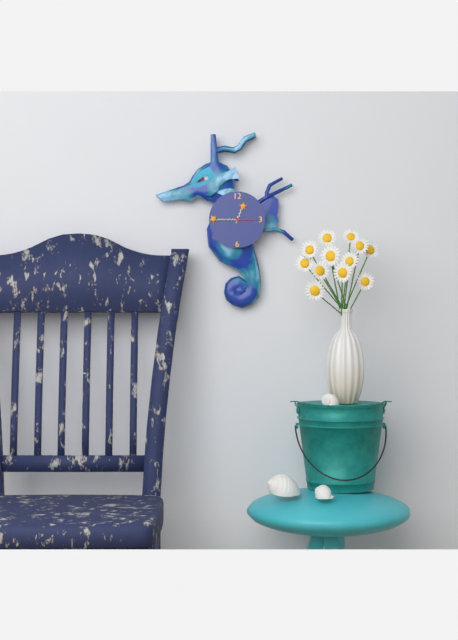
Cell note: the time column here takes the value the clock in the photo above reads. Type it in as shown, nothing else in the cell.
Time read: 12:45
